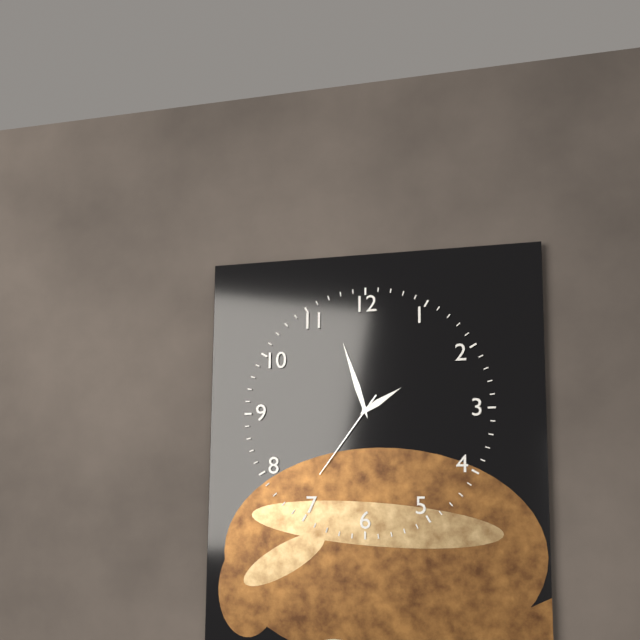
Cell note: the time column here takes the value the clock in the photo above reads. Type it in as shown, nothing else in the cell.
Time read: 1:57:36
